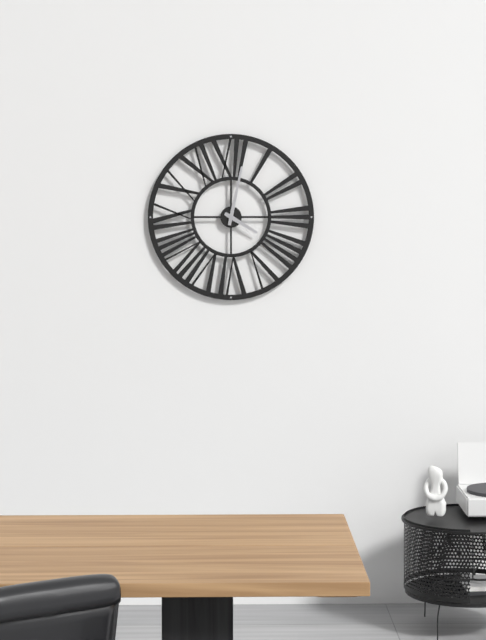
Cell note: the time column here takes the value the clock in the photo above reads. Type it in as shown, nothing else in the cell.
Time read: 4:02
